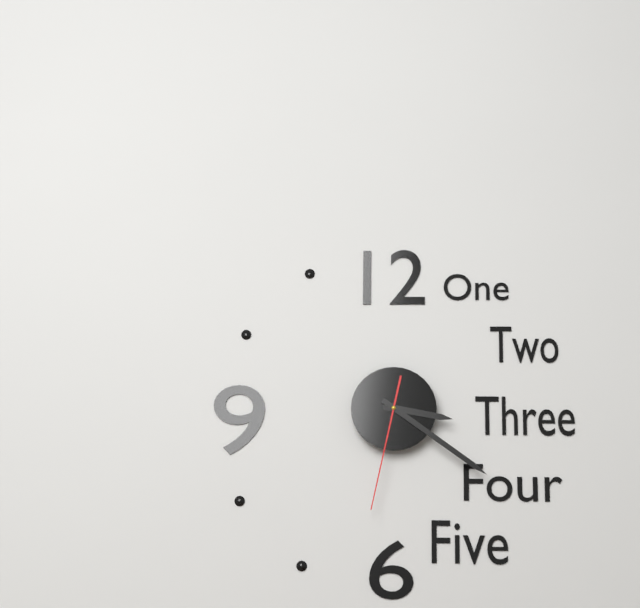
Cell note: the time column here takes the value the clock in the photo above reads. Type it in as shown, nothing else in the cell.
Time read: 3:21:32
